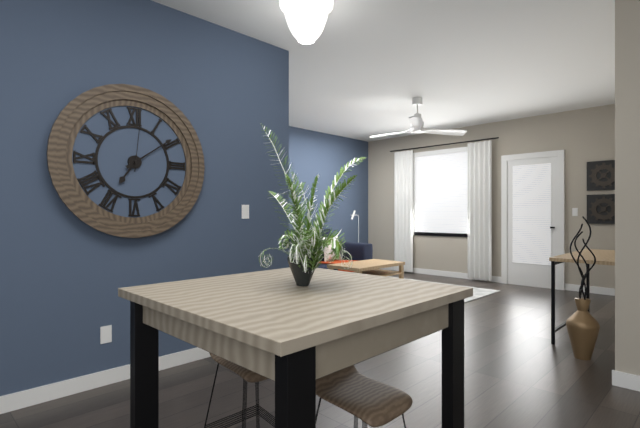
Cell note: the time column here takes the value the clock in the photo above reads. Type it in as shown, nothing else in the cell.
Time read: 7:09:01
